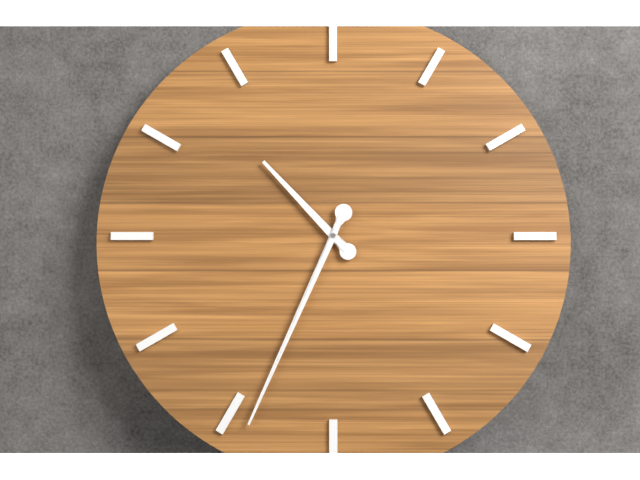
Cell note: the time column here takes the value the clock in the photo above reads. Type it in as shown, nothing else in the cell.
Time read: 10:34
